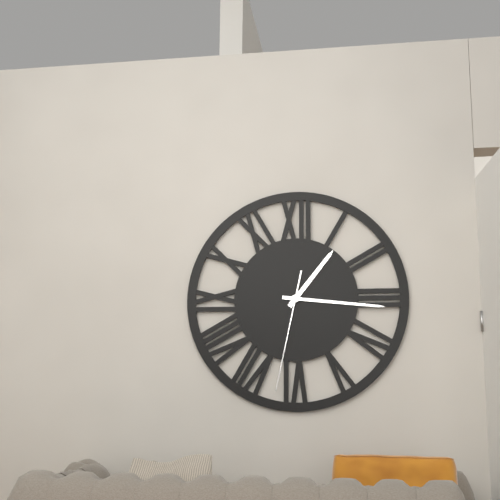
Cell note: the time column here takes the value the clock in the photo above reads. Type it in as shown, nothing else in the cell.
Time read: 1:16:32
